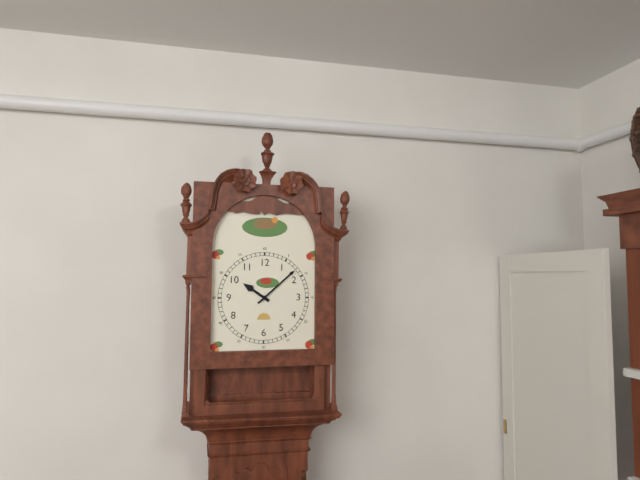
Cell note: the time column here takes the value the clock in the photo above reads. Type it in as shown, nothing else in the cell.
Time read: 10:08
